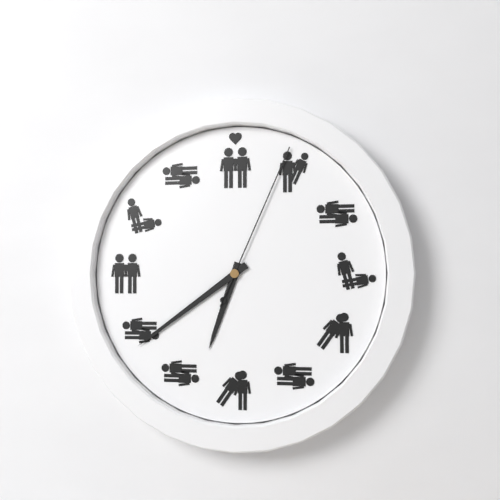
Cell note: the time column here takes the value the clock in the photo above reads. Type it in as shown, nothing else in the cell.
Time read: 6:39:04
